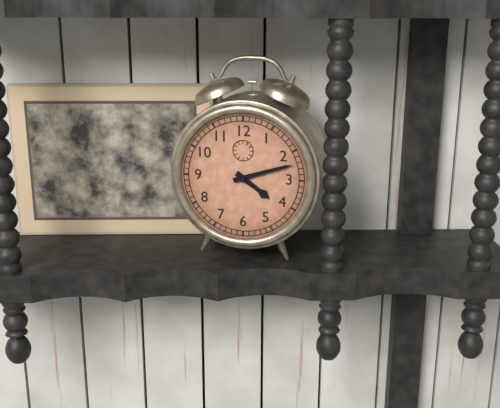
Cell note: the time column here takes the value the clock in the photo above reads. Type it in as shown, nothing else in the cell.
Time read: 4:12
